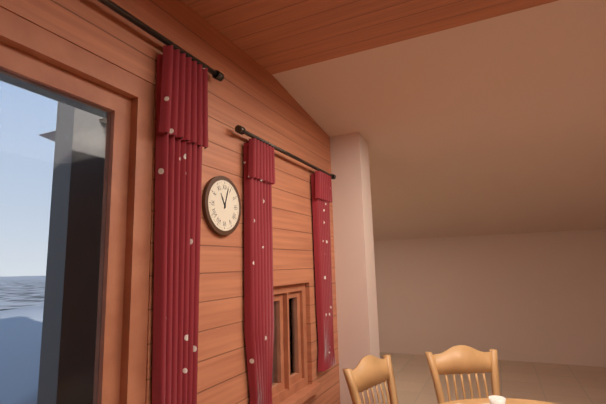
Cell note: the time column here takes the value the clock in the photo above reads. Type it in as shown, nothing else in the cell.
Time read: 11:03
